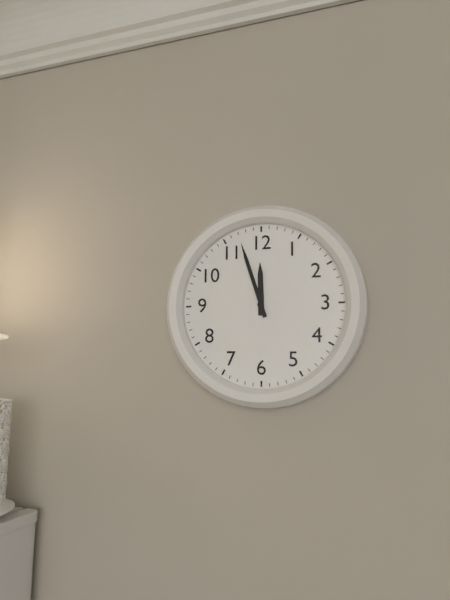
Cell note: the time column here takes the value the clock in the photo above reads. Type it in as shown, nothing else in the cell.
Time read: 11:57
